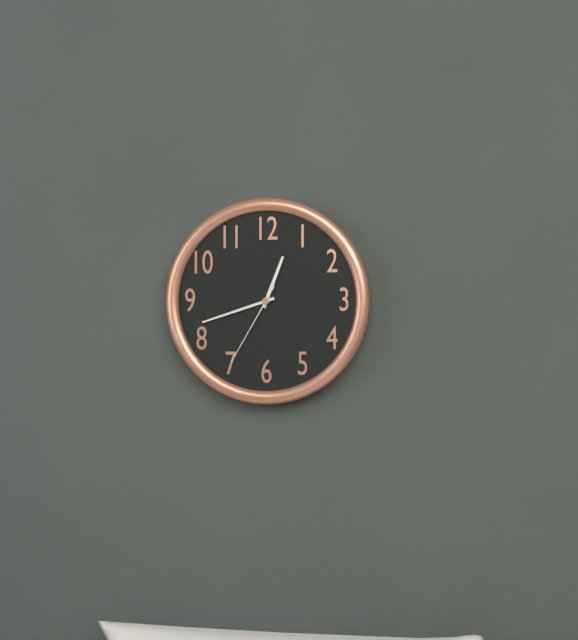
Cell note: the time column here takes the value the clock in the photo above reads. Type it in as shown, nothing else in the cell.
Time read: 12:42:35
